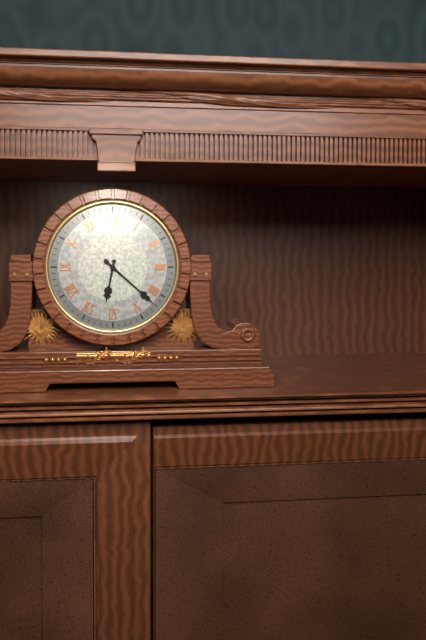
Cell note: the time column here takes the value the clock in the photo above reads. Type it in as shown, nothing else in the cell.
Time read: 6:22
